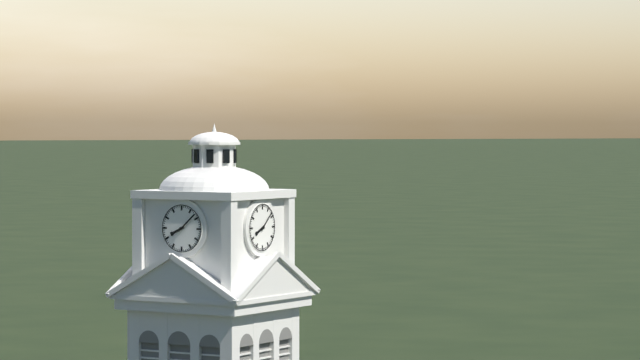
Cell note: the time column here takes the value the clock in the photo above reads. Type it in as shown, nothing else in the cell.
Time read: 8:08
